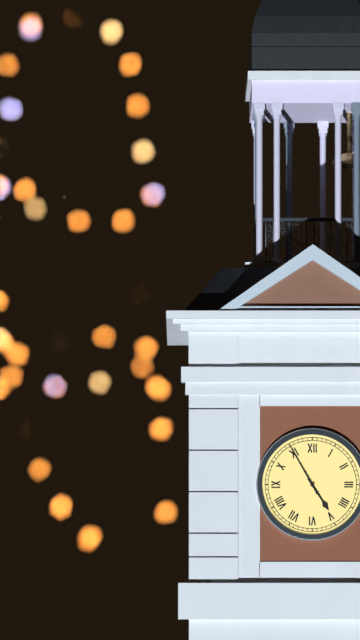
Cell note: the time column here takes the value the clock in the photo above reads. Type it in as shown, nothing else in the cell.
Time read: 4:55
